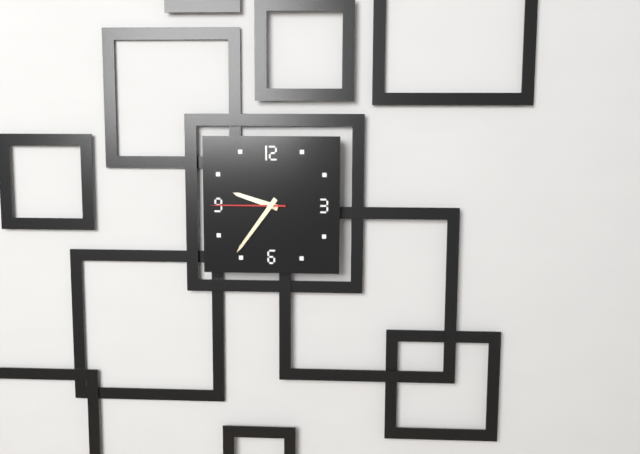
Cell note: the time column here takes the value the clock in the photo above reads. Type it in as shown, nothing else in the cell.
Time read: 9:36:45
